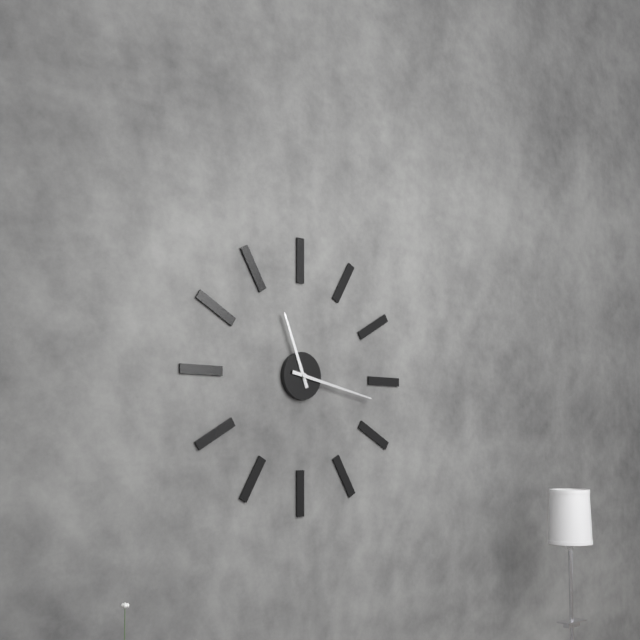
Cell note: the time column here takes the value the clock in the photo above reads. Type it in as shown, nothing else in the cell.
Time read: 11:17
